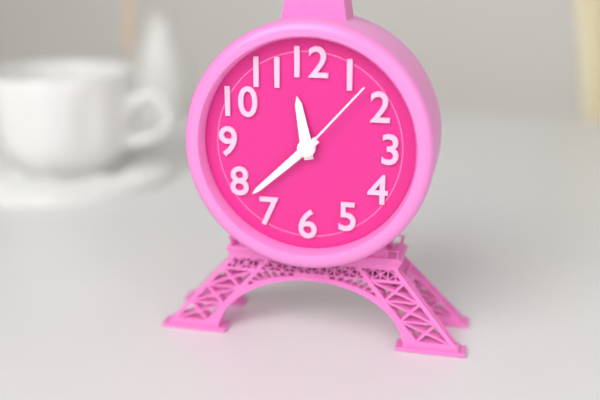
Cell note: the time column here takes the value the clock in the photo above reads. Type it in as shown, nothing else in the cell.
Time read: 11:38:07
